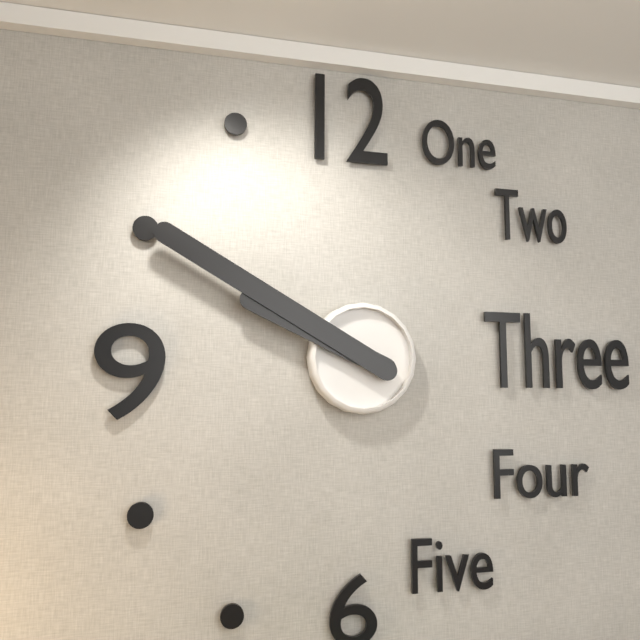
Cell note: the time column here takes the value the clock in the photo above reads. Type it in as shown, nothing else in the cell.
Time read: 9:50
